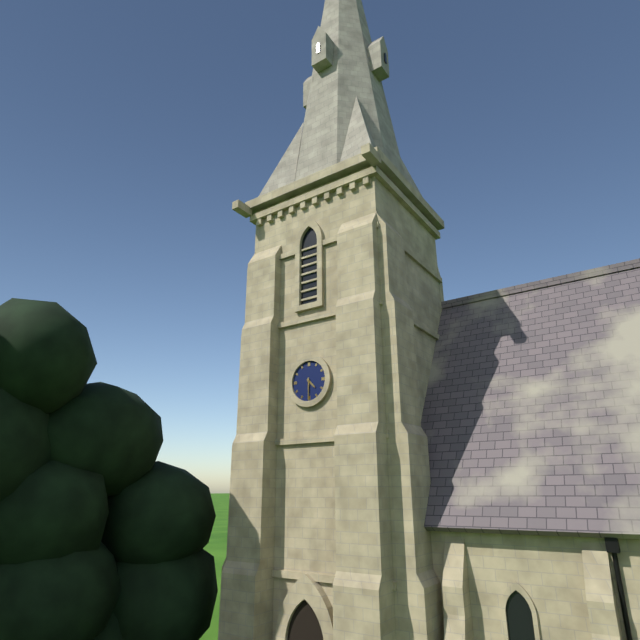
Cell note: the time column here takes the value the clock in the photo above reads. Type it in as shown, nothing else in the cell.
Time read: 4:30
